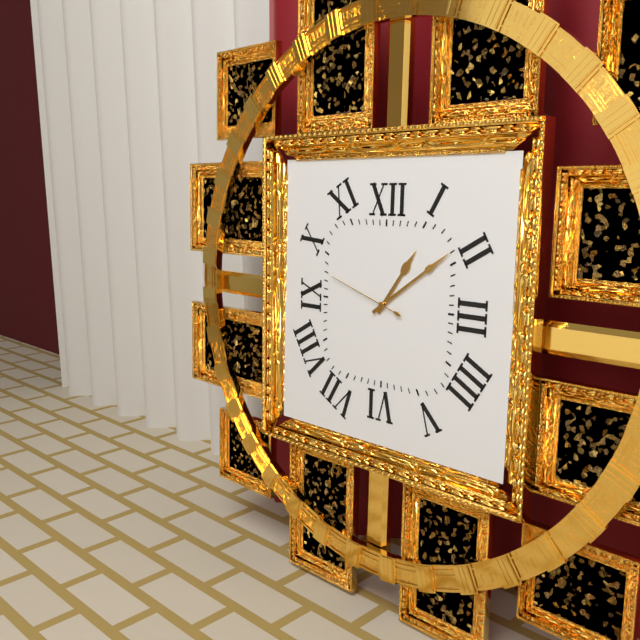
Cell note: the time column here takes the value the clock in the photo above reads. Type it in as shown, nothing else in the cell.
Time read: 1:09:48
